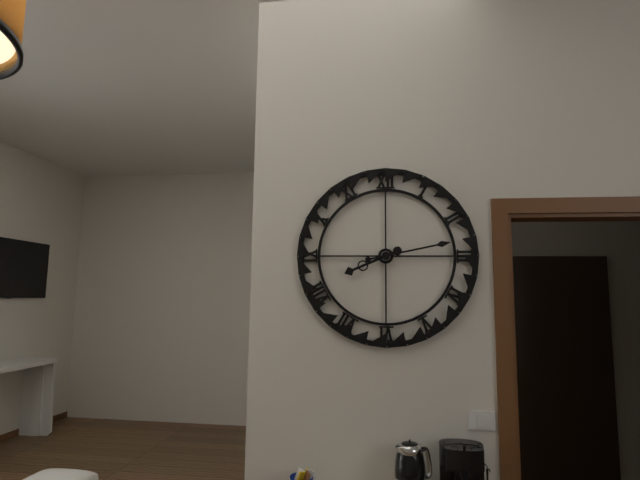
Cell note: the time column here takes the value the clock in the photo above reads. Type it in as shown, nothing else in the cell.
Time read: 8:13
